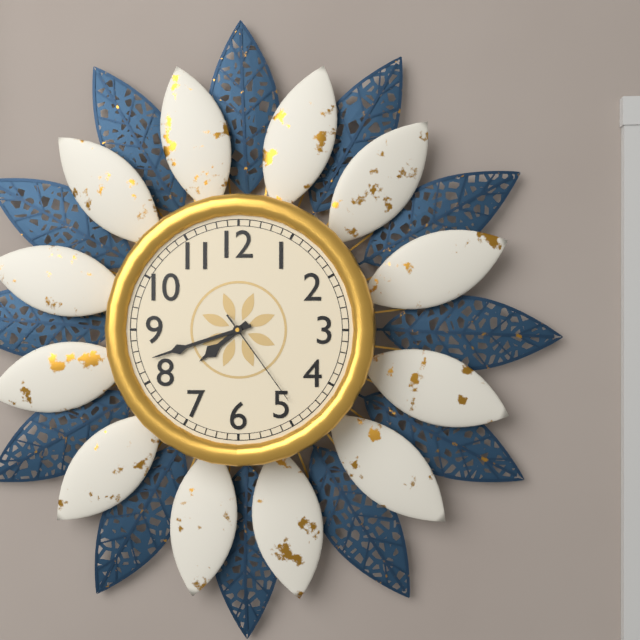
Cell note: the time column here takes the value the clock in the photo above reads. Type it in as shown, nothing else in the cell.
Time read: 7:42:24
